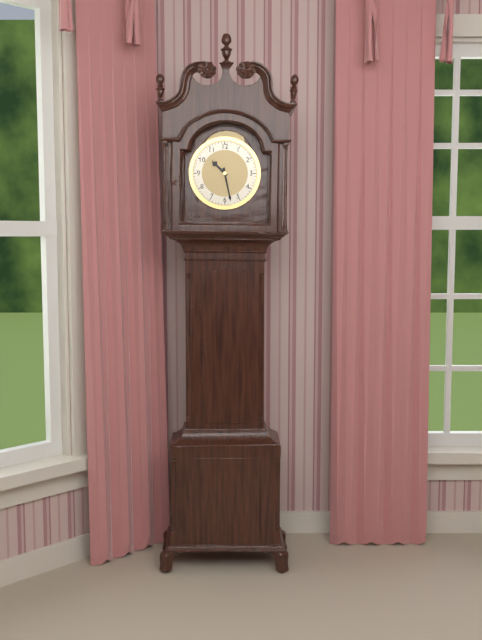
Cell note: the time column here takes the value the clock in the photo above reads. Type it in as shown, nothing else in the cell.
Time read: 10:28
